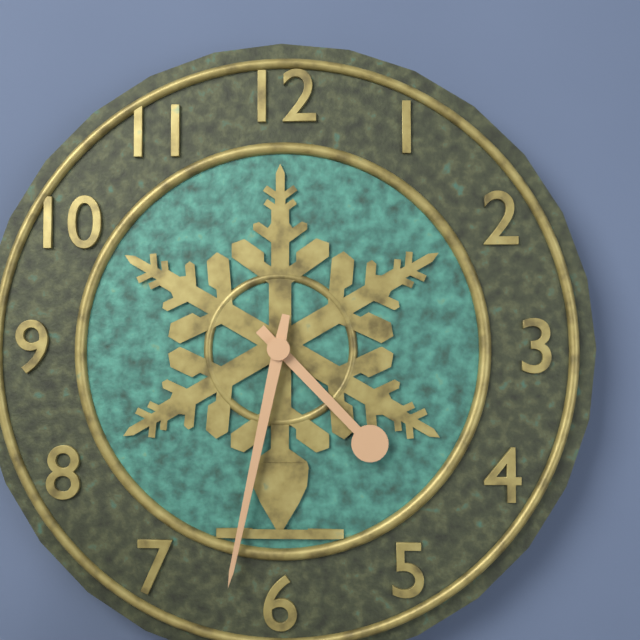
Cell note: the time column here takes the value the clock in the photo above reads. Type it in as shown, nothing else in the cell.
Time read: 4:32
